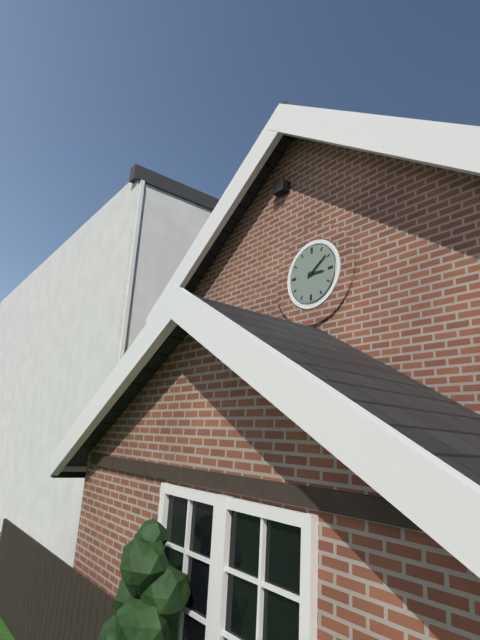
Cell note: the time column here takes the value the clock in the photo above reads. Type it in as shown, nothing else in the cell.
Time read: 3:09
